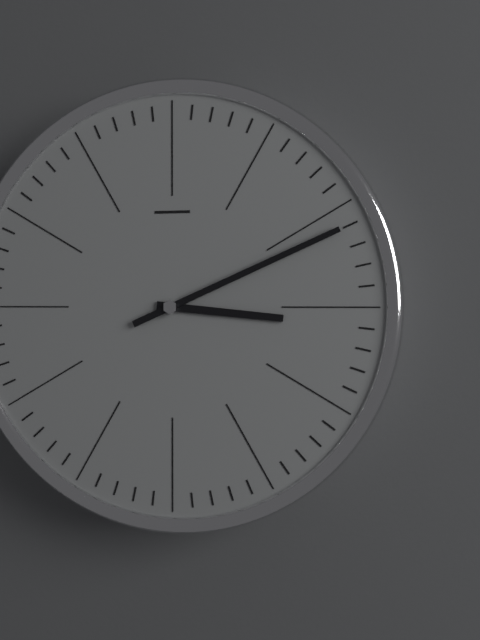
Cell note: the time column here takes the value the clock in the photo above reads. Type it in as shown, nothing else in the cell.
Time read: 3:11
